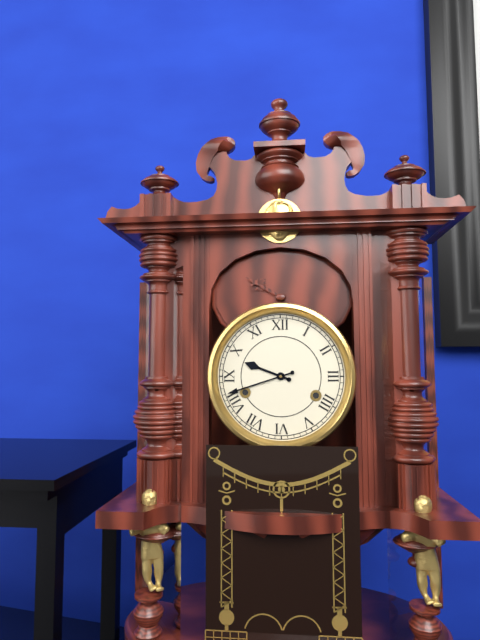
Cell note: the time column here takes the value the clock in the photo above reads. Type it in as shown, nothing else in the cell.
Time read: 9:42
